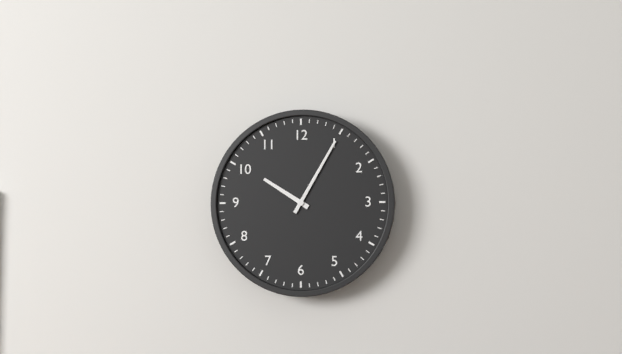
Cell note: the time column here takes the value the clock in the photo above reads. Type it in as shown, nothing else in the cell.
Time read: 10:05
